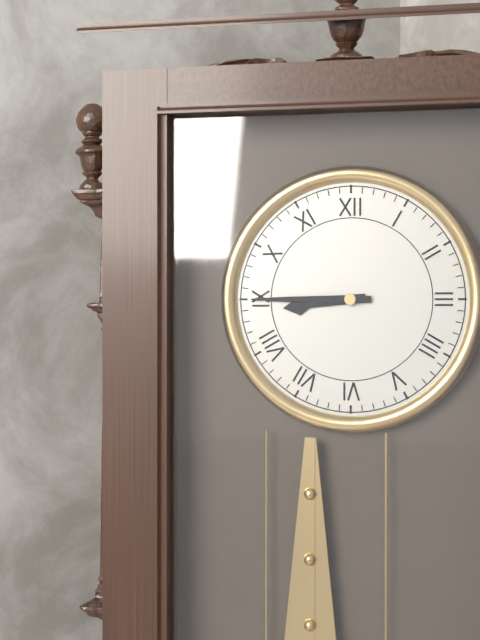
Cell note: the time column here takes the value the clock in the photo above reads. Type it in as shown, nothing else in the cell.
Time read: 8:45
